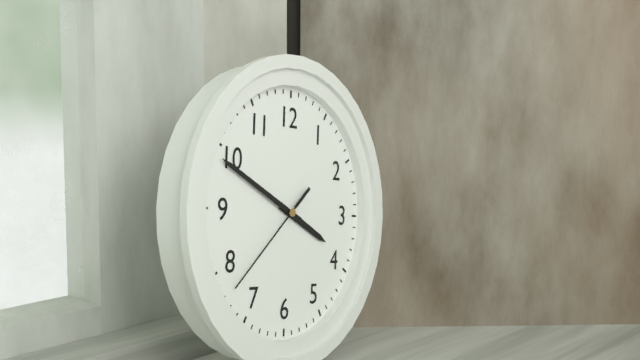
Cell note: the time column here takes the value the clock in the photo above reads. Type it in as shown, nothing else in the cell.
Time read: 3:49:38
